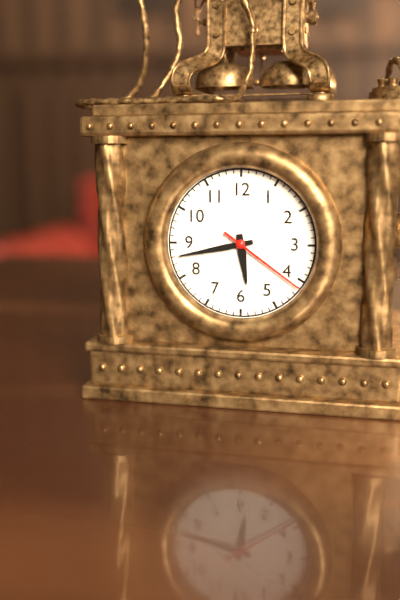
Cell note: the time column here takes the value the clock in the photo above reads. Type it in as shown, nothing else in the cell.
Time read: 5:43:21
